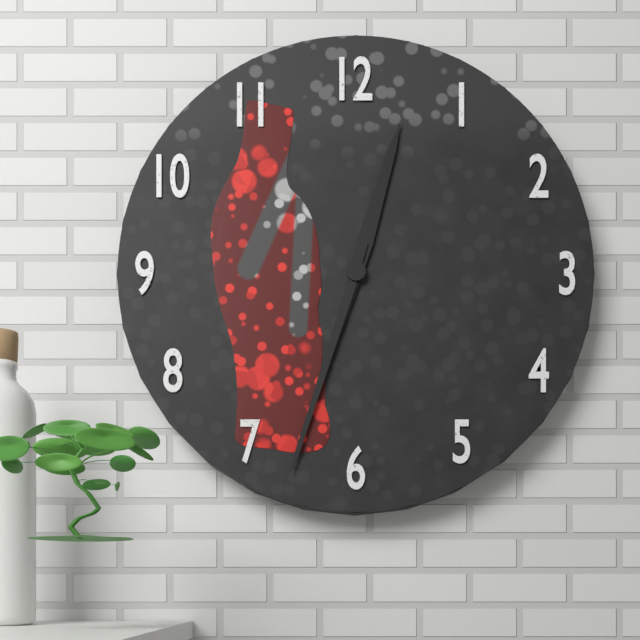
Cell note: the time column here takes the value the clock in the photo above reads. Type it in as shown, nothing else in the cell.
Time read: 12:33
